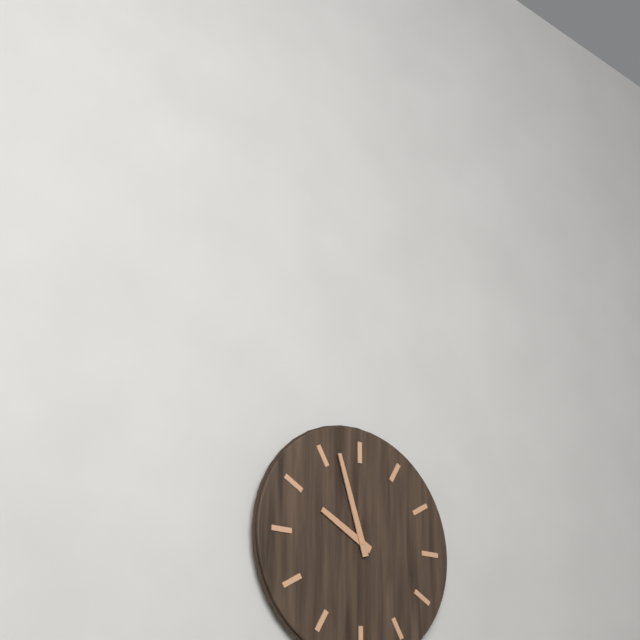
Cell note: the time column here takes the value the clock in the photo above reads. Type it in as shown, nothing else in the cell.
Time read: 9:57
